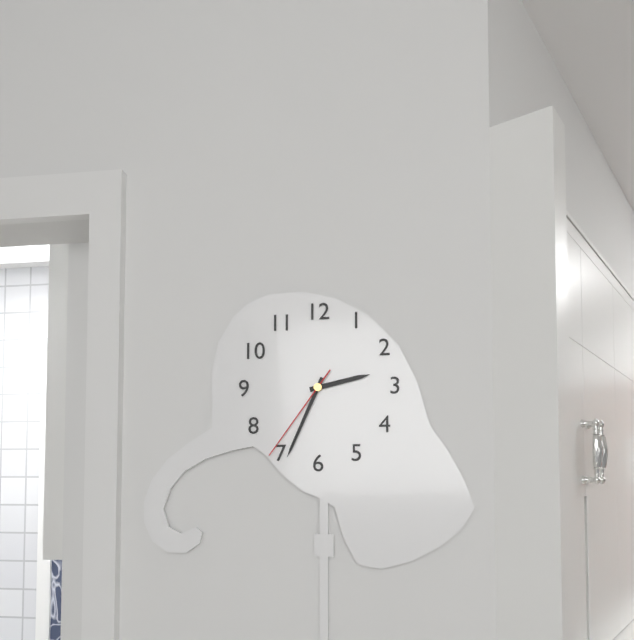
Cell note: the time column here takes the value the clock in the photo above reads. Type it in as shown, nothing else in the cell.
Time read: 2:34:36
